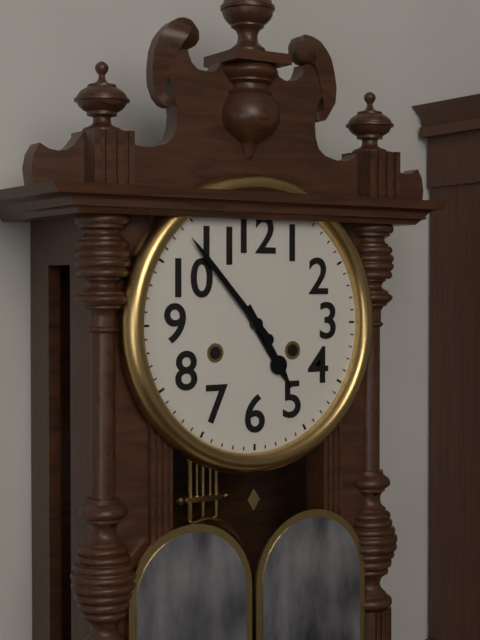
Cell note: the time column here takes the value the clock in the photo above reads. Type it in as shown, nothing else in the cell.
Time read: 4:53
